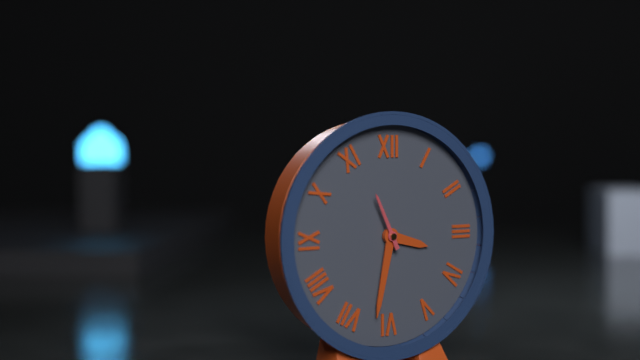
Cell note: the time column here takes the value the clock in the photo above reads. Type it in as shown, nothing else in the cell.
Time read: 3:32:56
